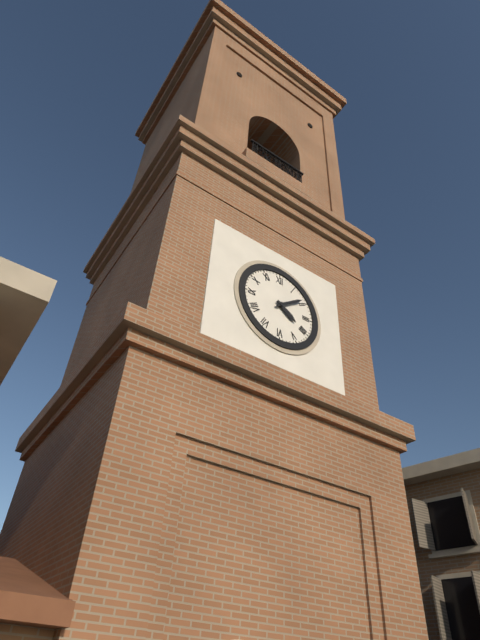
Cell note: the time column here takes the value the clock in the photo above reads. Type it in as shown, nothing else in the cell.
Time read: 4:09
